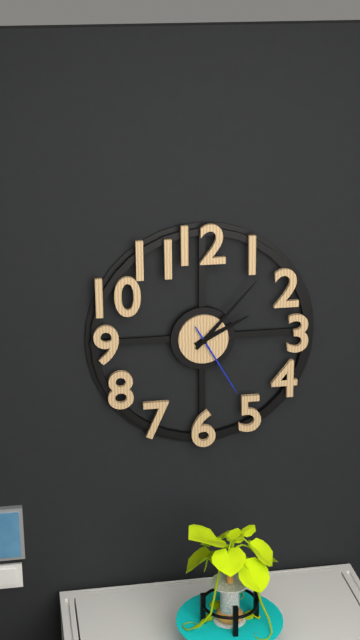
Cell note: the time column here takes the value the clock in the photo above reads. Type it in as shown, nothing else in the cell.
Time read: 2:07:25
